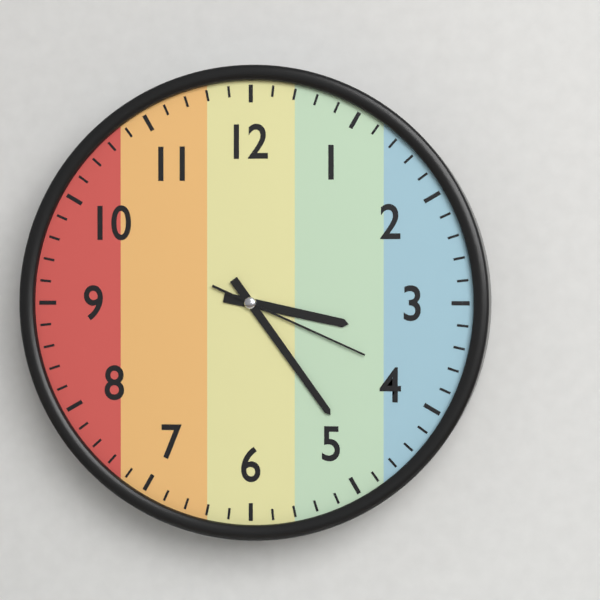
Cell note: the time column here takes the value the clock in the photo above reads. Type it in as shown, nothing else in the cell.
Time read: 3:24:19
